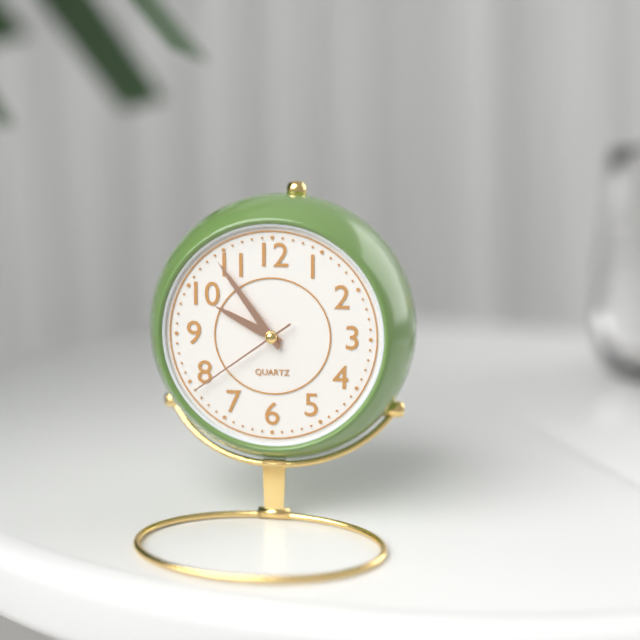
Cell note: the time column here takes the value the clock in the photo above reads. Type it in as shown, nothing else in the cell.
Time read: 9:54:39
